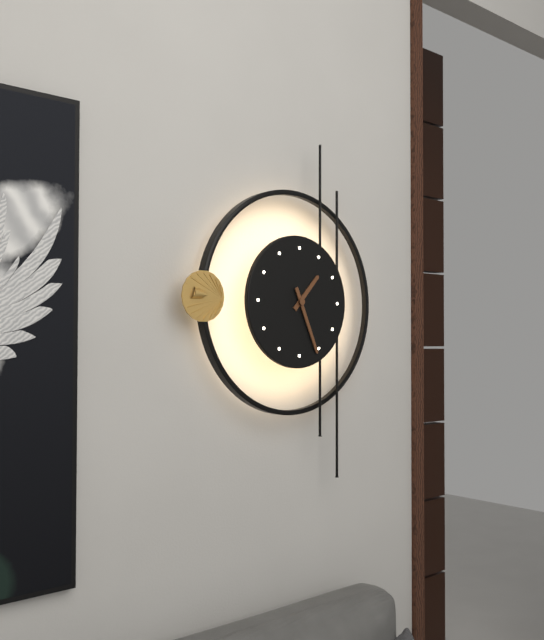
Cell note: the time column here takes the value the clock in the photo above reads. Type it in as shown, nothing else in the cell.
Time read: 1:26
